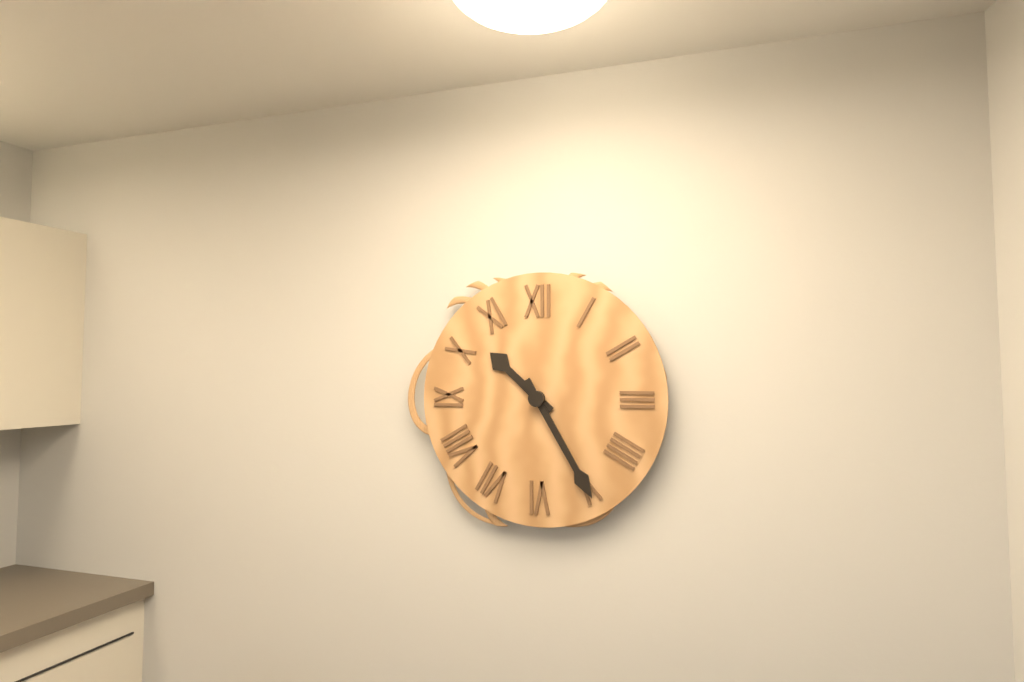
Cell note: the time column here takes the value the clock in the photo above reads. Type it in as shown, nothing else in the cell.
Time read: 10:25
